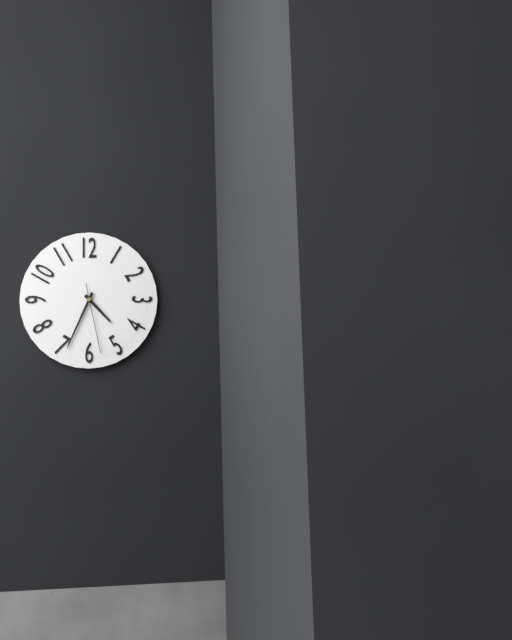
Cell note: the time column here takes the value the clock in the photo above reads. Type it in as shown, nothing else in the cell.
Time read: 4:34:28
